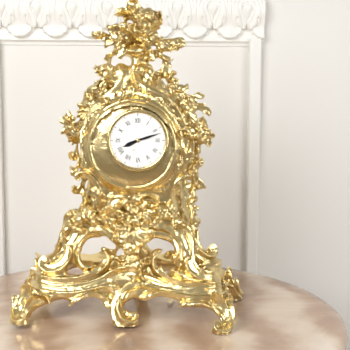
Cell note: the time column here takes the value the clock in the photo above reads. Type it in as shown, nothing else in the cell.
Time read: 8:12
